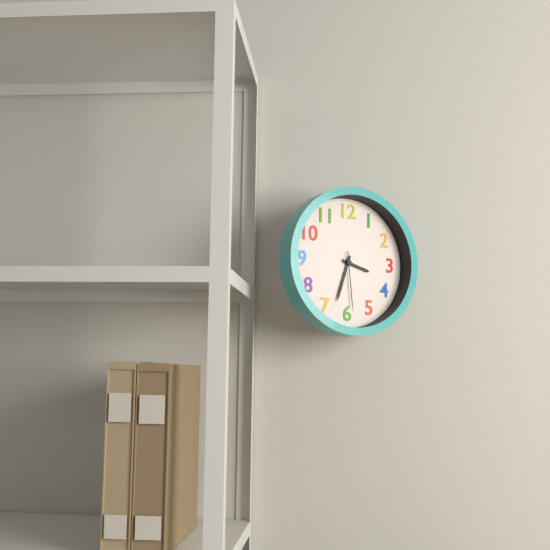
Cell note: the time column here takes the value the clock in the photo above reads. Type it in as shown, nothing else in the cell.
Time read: 3:33:29
